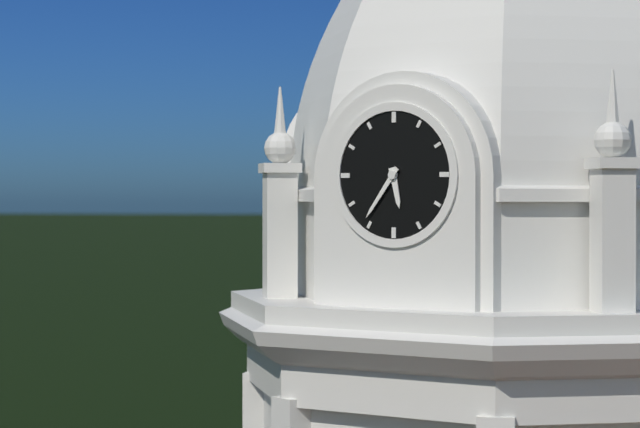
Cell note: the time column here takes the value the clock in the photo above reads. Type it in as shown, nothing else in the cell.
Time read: 5:36
